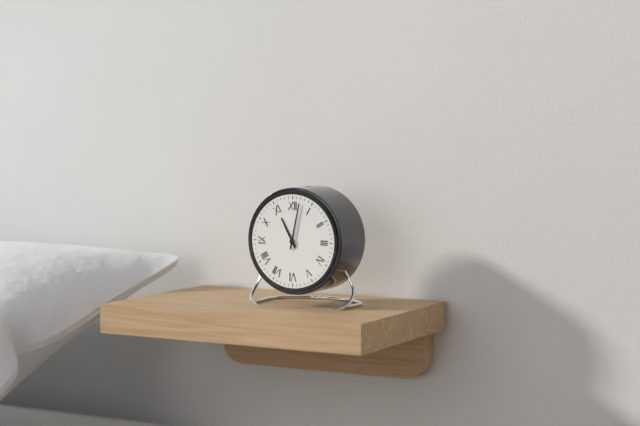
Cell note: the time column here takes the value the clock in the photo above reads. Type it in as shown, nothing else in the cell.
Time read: 11:02
